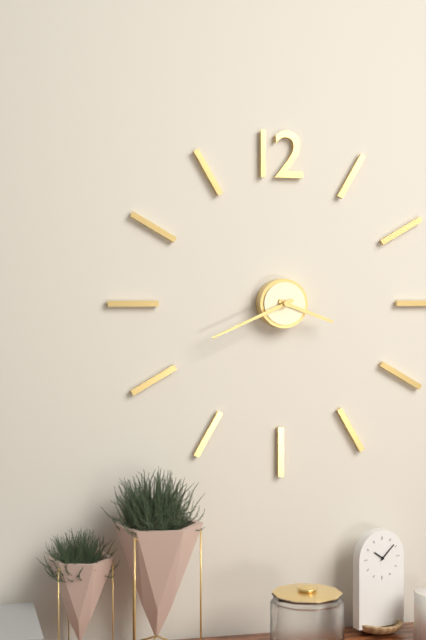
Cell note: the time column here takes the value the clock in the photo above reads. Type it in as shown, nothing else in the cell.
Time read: 3:41
